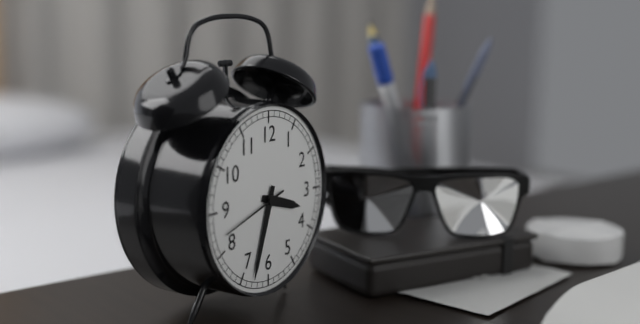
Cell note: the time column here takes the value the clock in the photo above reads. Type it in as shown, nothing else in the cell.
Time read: 3:33:42
